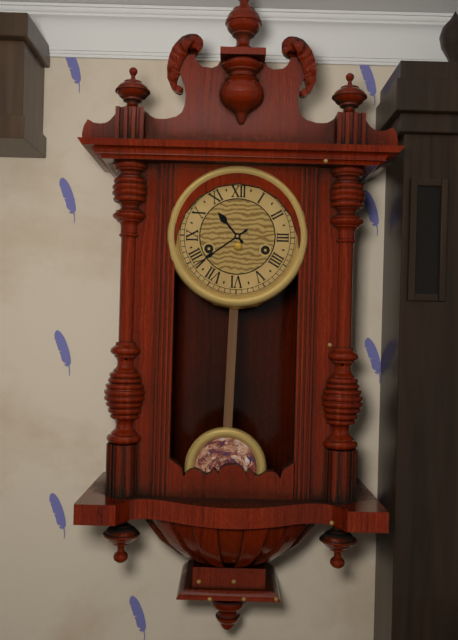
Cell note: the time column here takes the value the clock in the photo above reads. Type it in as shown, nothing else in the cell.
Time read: 10:39
